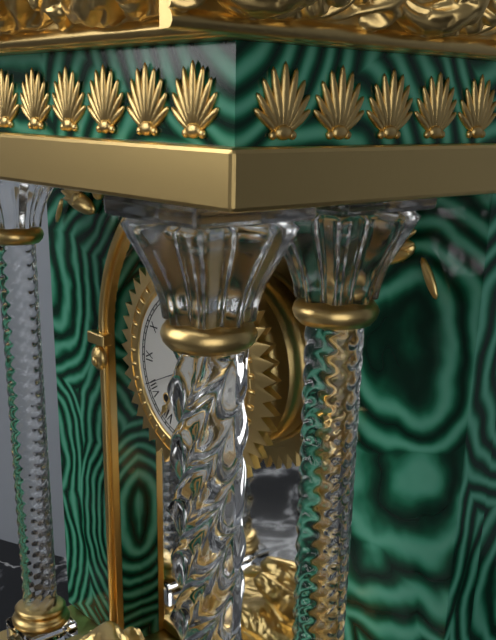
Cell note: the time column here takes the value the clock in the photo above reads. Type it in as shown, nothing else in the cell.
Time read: 5:36:41
